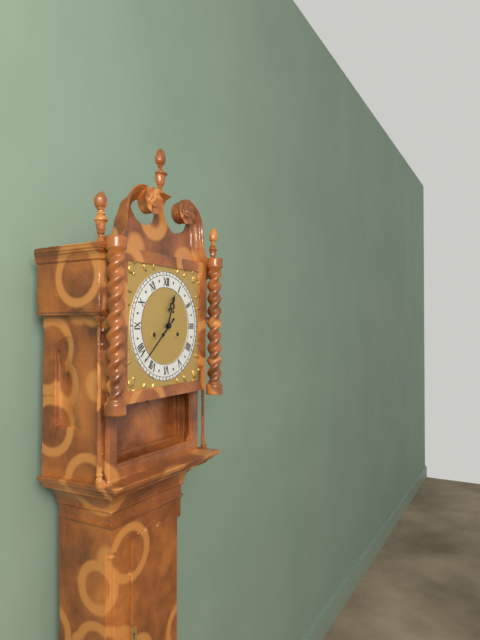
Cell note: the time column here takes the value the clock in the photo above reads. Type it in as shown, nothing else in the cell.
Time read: 12:38
